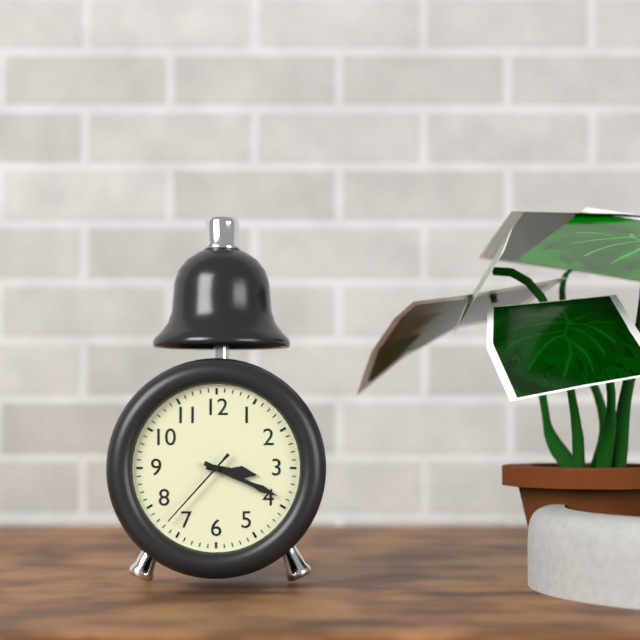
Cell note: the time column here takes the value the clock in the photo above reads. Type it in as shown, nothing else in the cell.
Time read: 3:19:37
